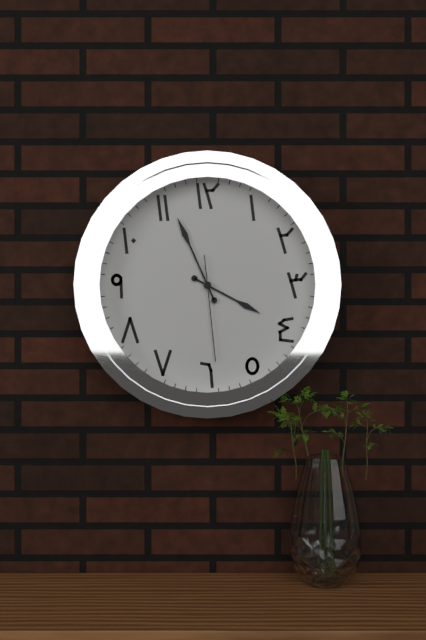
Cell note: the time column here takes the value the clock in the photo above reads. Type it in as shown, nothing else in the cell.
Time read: 3:56:29
